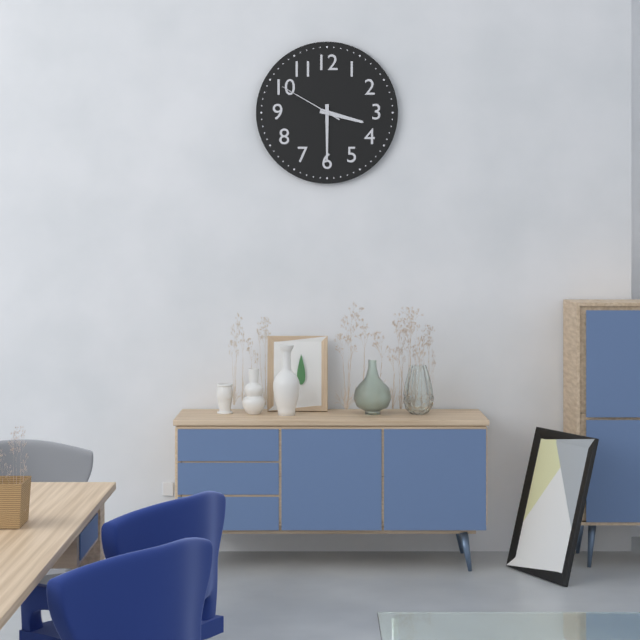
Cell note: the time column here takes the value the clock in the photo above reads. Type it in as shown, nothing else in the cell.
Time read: 3:30:50
